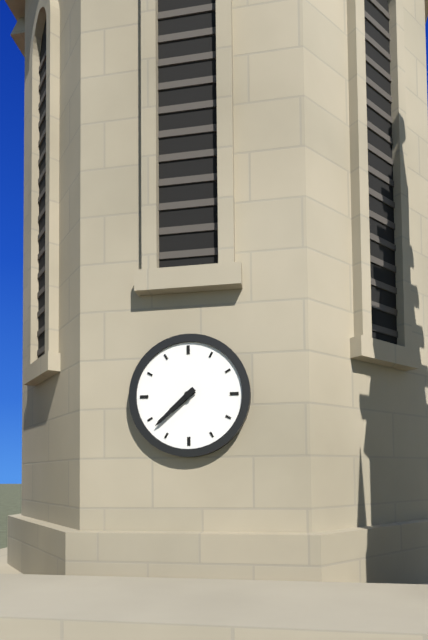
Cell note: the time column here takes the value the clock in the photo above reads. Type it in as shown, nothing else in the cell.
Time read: 7:38
